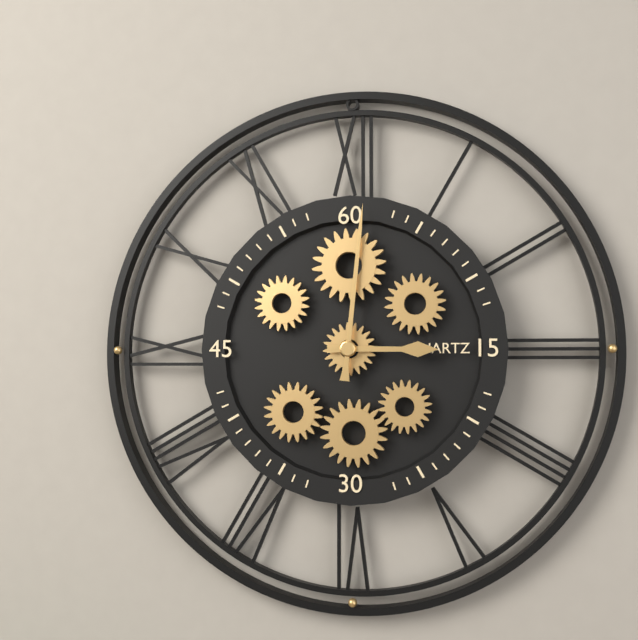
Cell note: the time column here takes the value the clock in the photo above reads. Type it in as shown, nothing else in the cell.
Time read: 3:01
